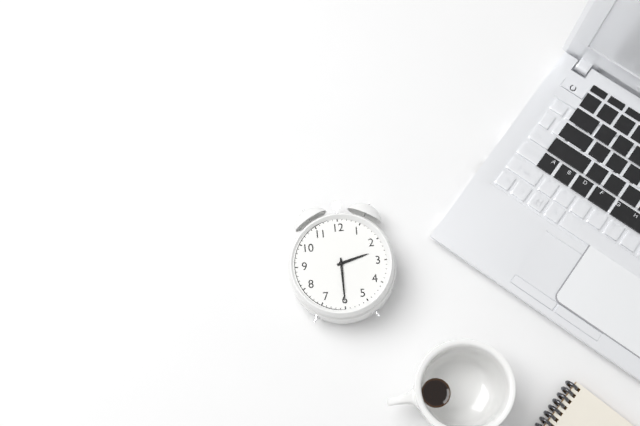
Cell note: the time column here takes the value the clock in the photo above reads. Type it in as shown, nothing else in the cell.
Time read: 2:30
